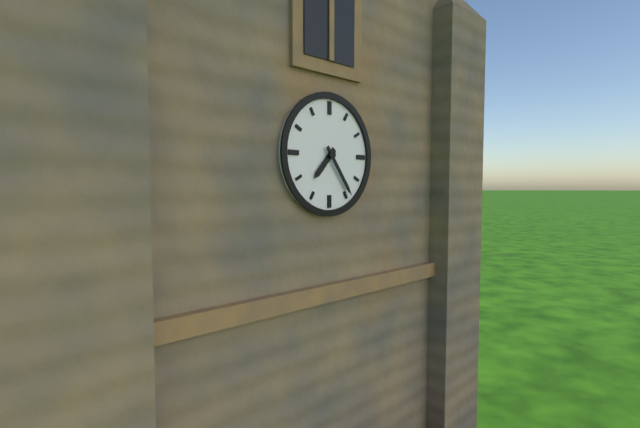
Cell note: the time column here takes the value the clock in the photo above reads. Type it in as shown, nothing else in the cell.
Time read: 7:24
